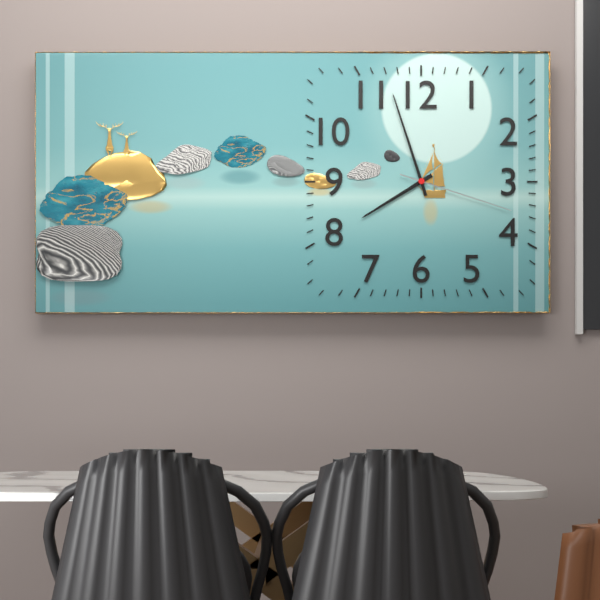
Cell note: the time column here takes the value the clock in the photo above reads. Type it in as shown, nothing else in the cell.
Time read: 7:57:18
